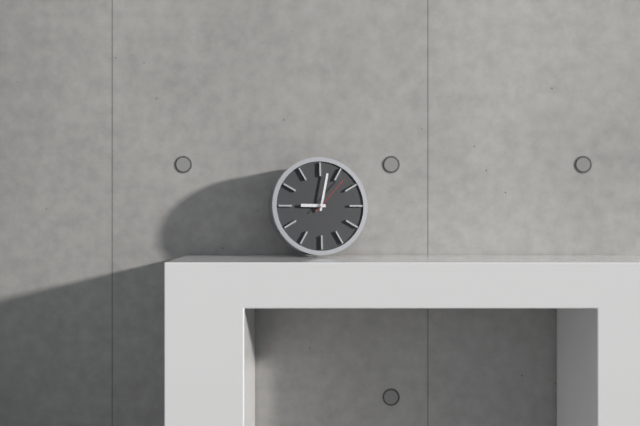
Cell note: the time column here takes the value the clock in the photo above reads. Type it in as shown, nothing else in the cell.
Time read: 9:02
